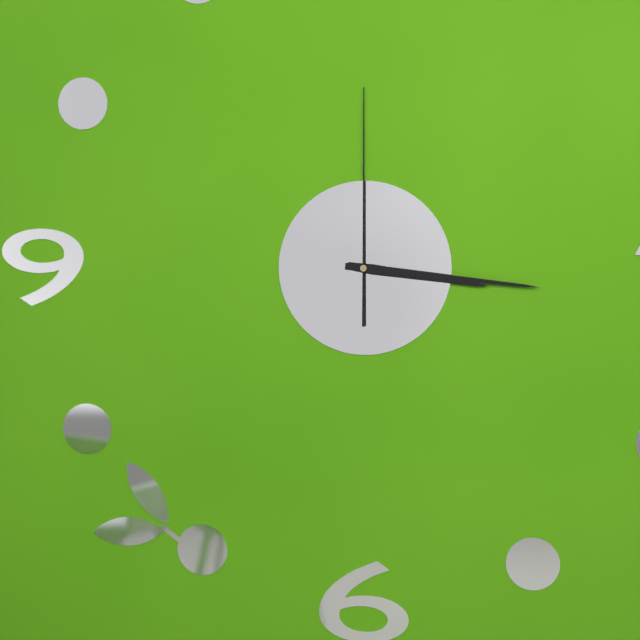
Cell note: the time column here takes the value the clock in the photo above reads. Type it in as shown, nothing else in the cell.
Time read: 3:16:00
